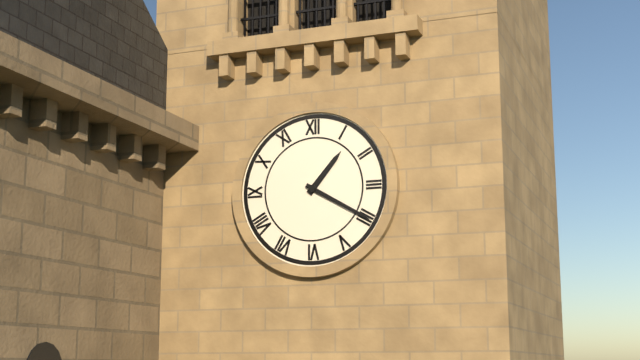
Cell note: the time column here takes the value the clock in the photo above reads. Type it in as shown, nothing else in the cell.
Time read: 1:20
